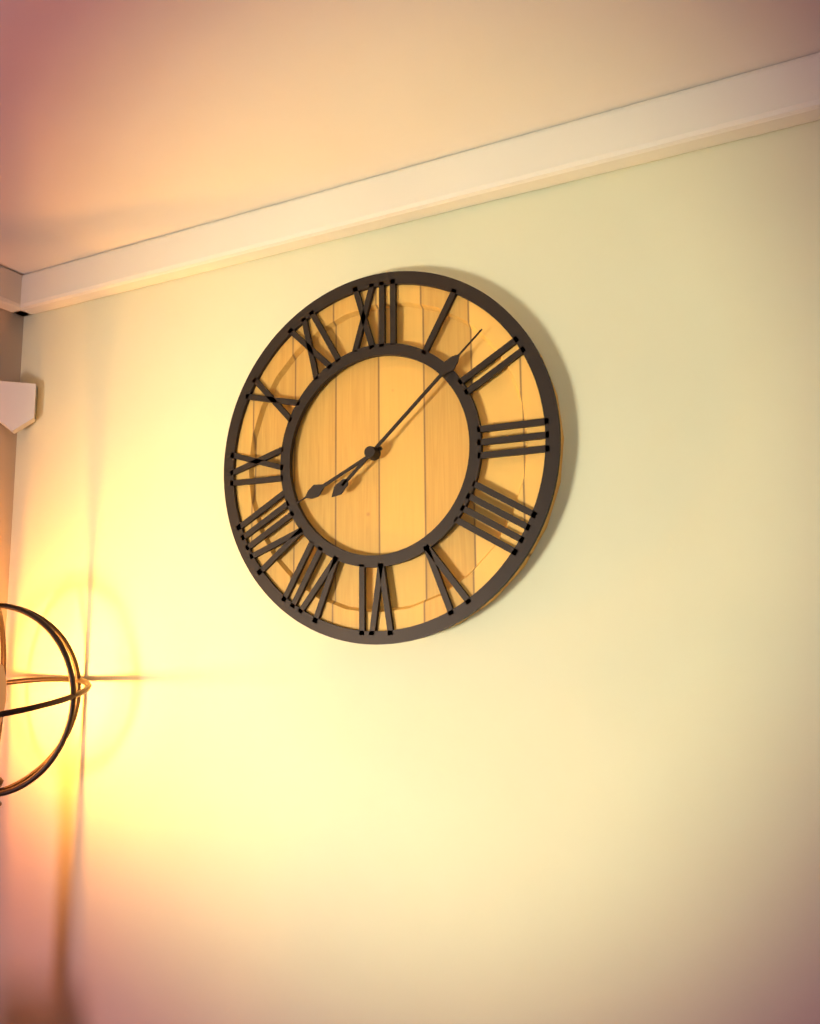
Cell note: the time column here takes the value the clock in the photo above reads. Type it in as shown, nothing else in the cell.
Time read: 8:08
